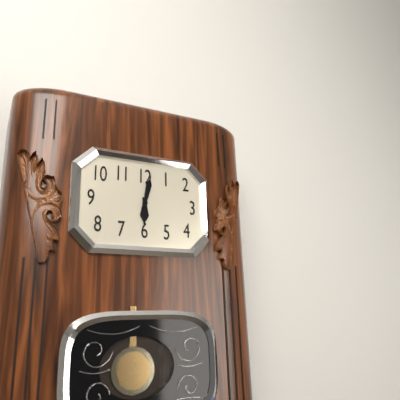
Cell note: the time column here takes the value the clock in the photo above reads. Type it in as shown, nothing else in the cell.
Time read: 6:02
